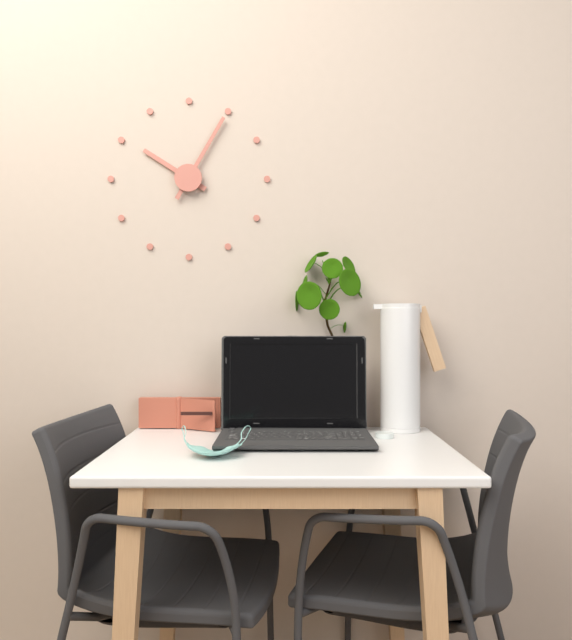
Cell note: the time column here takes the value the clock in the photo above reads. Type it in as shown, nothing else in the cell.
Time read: 10:05
